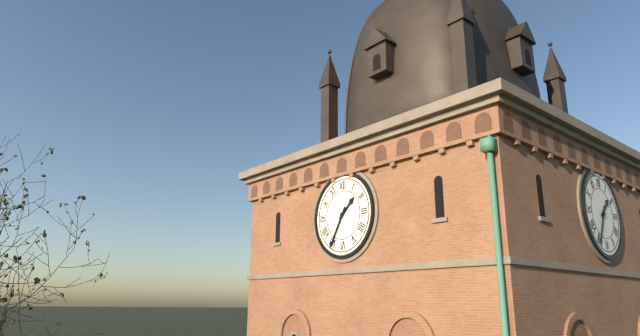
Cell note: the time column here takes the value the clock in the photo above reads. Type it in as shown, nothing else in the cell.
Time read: 1:35
